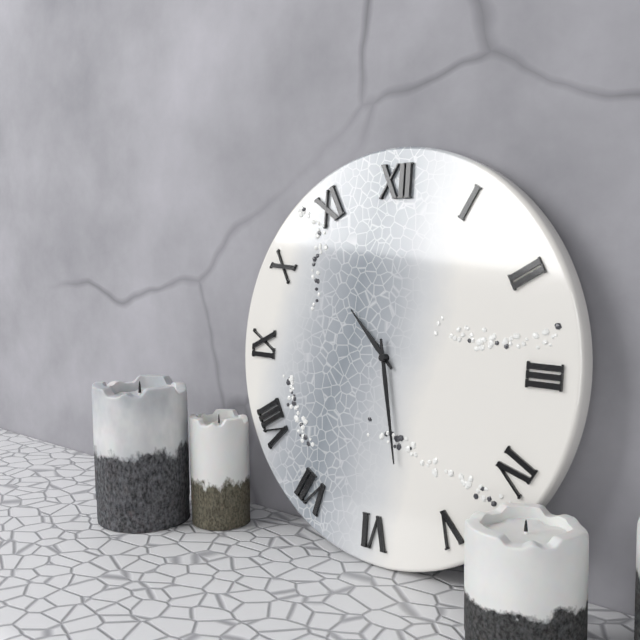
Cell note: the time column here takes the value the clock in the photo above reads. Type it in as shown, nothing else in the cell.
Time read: 10:28
